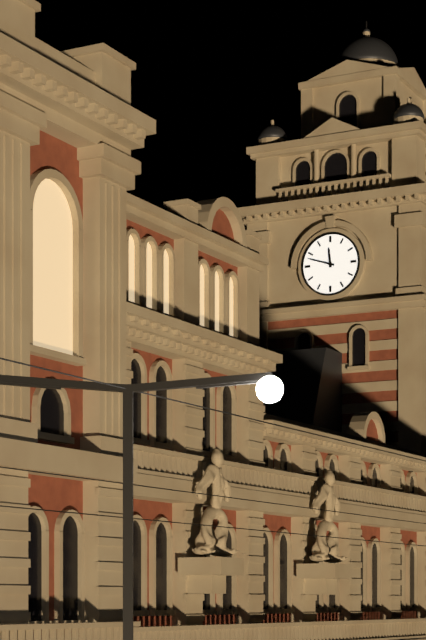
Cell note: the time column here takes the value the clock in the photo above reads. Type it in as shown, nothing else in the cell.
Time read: 11:48
